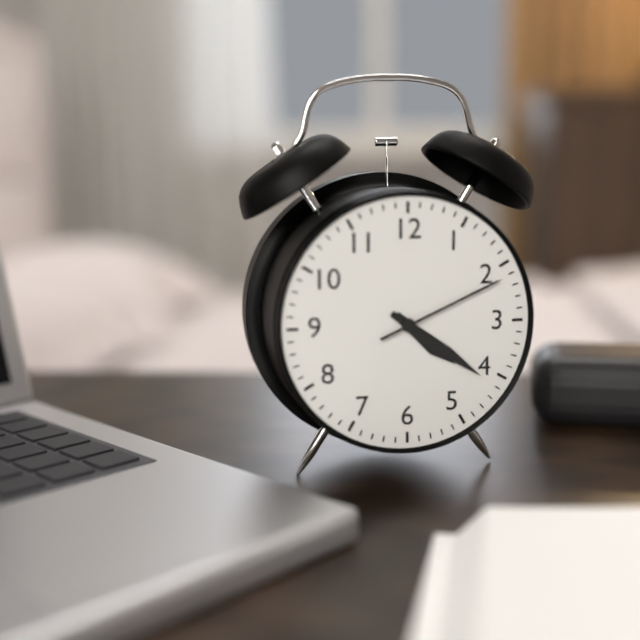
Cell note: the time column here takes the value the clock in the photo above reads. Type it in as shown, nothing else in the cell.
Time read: 4:21:11
